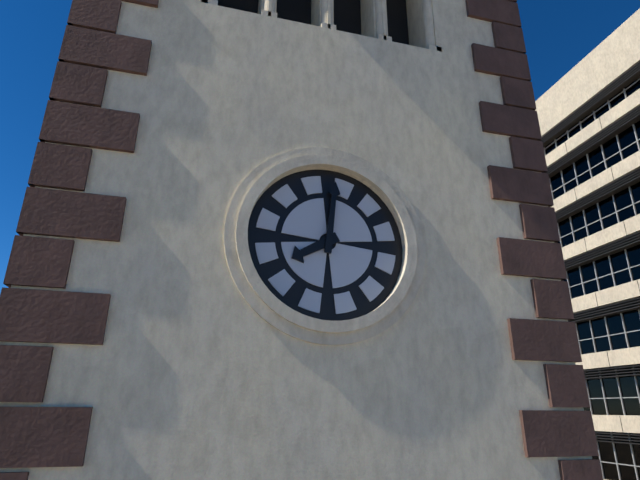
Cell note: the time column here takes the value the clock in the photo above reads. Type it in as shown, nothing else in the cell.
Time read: 8:01
